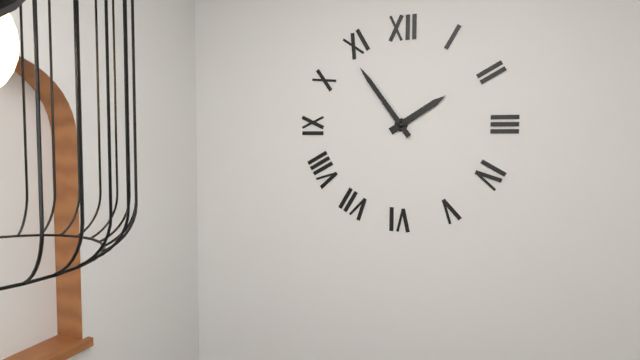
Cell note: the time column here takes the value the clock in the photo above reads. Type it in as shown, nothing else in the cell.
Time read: 1:54
